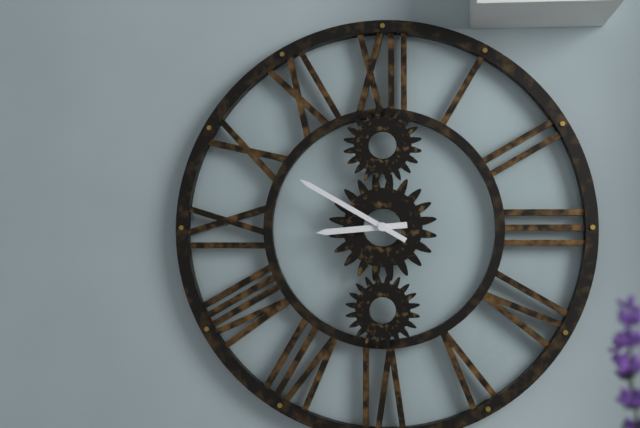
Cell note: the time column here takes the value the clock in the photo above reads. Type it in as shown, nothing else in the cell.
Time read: 8:50
